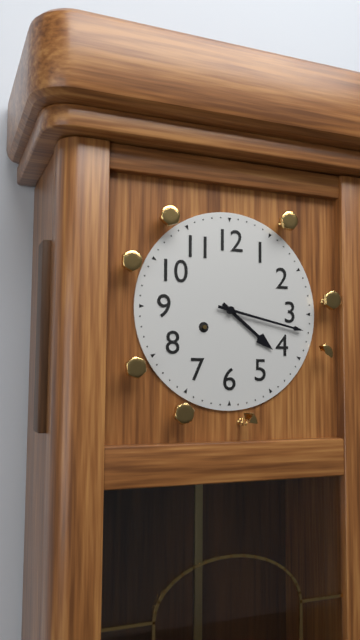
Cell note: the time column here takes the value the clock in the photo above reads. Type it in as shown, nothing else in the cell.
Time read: 4:17
